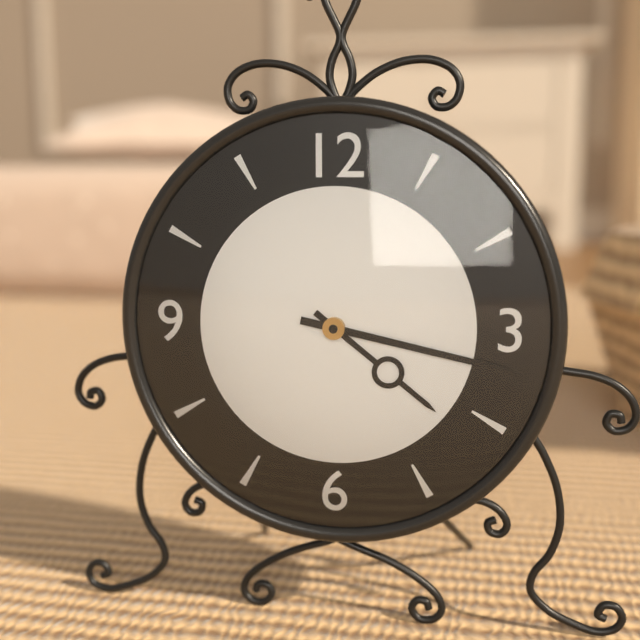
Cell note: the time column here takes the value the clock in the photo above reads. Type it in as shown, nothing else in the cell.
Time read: 4:17
